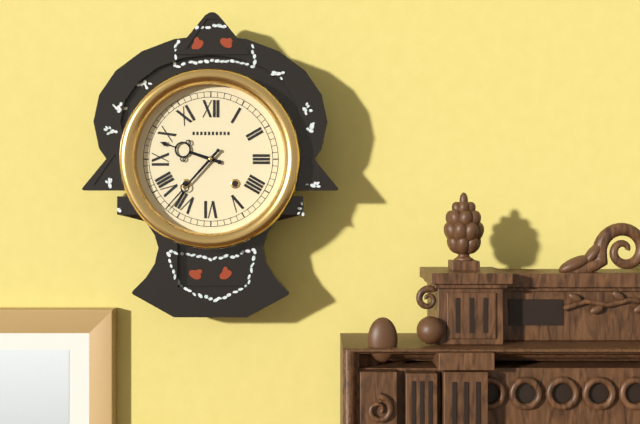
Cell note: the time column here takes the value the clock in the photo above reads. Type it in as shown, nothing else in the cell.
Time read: 9:37
